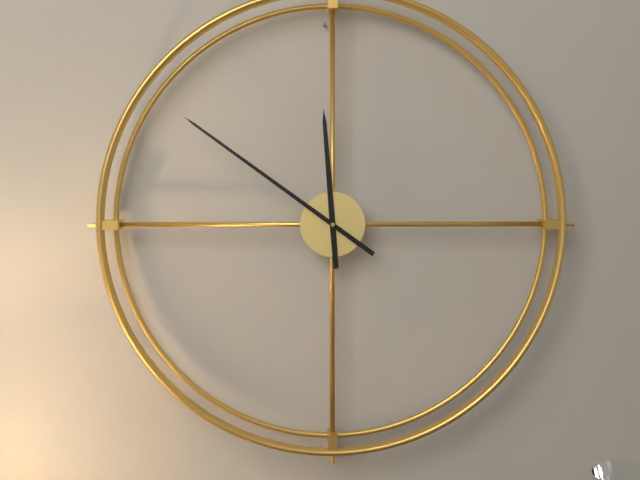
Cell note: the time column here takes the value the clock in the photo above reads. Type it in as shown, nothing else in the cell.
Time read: 11:51
